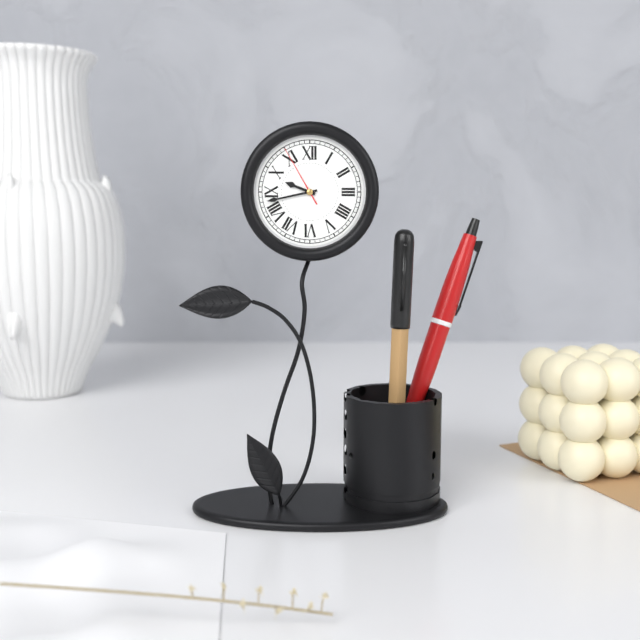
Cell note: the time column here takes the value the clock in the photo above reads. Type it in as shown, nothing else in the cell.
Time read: 9:43:55
